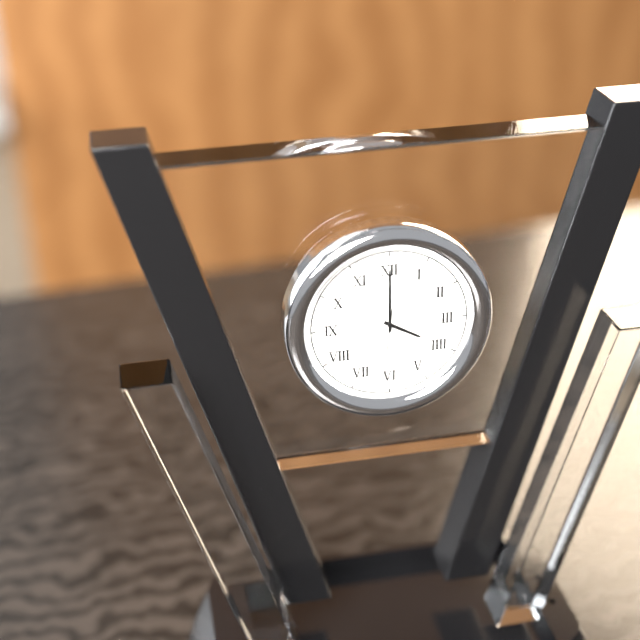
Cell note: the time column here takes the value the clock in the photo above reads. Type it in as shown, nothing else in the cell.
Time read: 4:00:31
